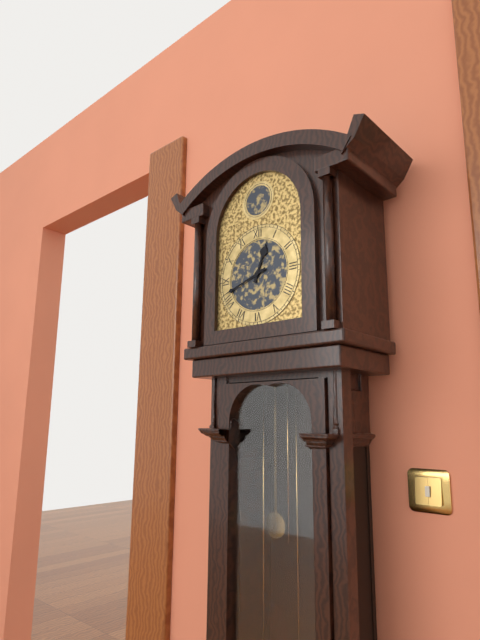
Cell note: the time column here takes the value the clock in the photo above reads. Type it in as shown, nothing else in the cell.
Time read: 12:42
